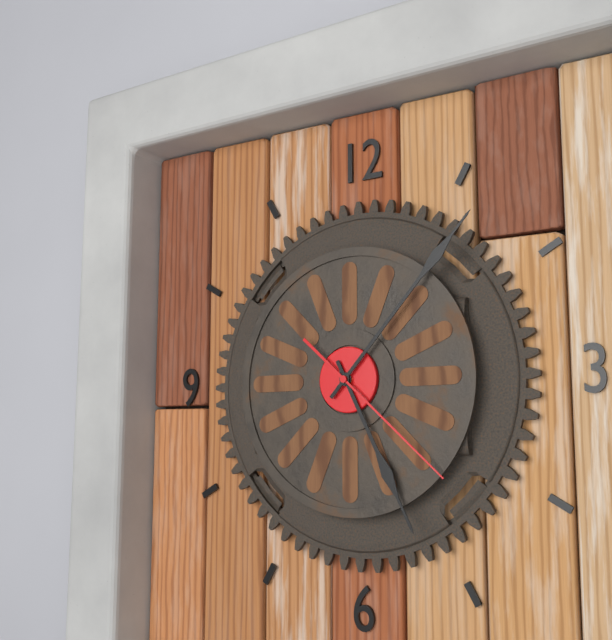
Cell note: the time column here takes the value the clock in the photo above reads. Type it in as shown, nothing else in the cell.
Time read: 5:07:22
